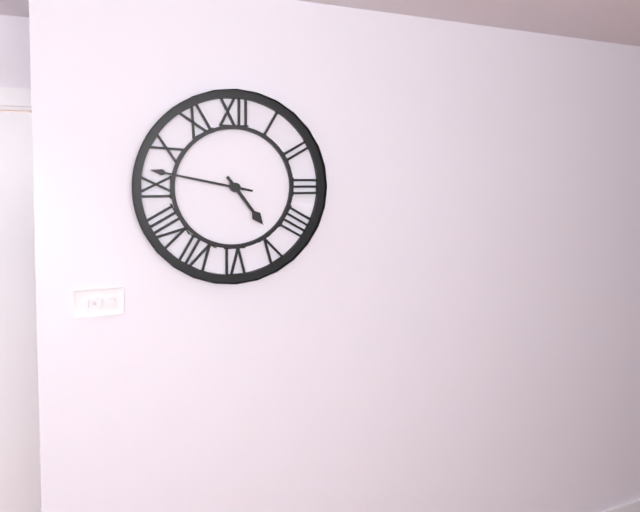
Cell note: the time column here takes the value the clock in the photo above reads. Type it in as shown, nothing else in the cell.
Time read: 4:47
